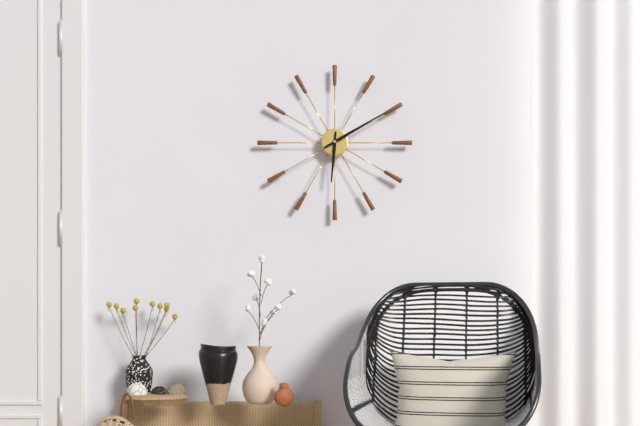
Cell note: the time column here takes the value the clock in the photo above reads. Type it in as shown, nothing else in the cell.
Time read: 6:10
